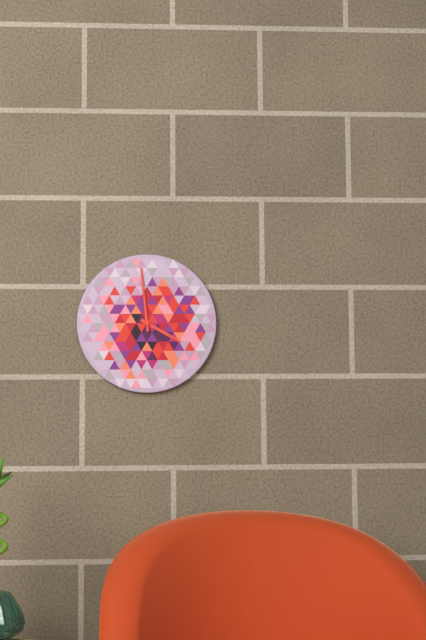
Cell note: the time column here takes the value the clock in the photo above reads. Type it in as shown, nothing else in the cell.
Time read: 3:59
